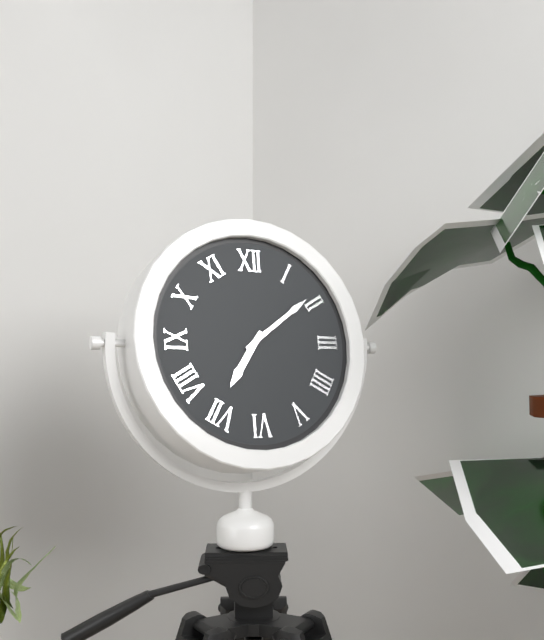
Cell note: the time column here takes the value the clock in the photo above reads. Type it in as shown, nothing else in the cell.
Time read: 7:09
